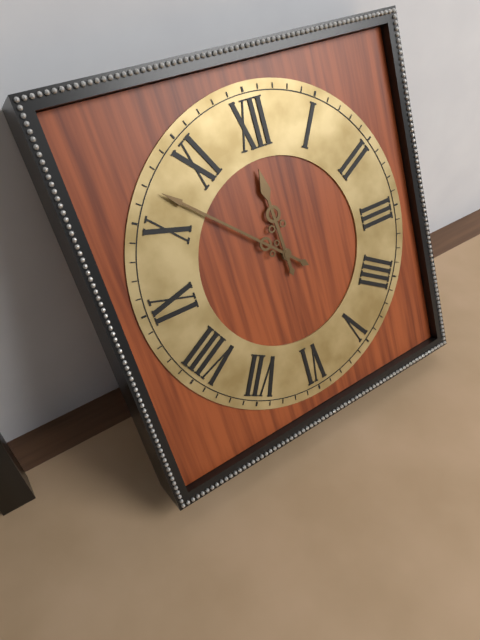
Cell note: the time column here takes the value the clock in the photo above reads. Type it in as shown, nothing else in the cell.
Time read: 11:52
